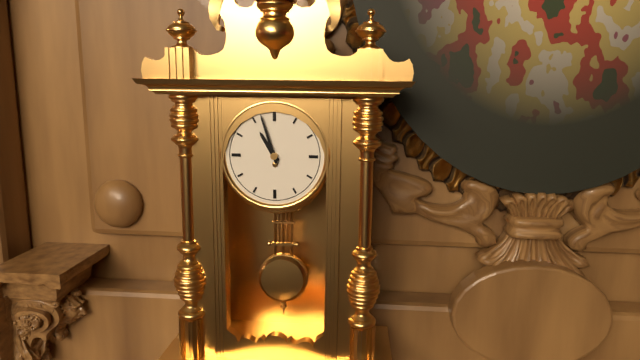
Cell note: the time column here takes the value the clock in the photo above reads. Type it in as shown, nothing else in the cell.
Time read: 10:57
